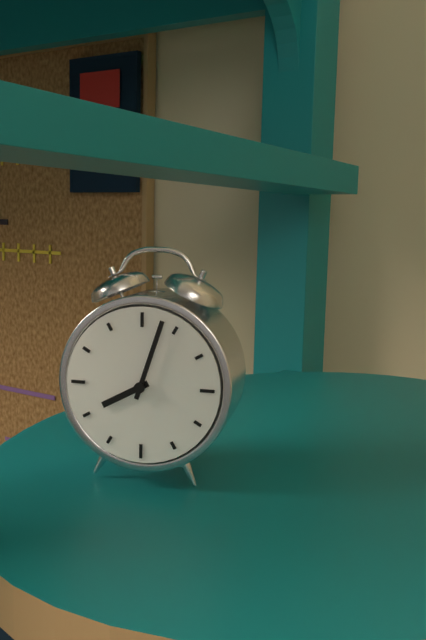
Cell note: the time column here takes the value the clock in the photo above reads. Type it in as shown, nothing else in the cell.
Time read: 8:03
